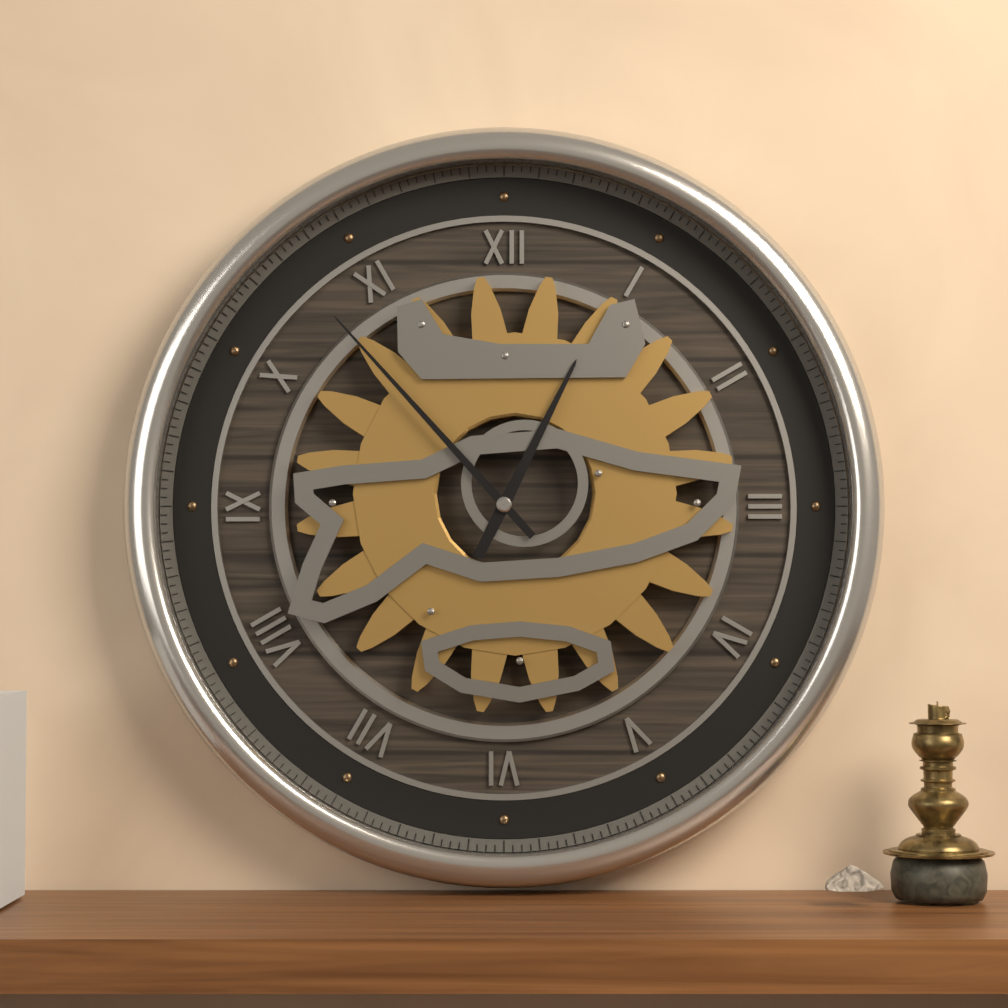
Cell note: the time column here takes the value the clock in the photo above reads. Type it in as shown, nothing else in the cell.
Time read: 12:53
